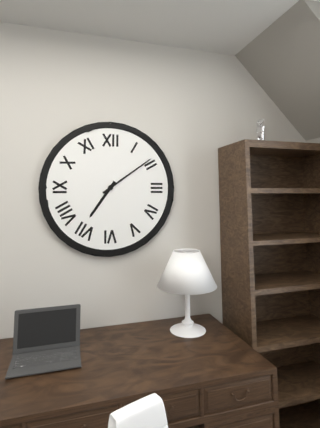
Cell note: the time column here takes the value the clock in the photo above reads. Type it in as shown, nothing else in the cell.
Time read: 7:09
